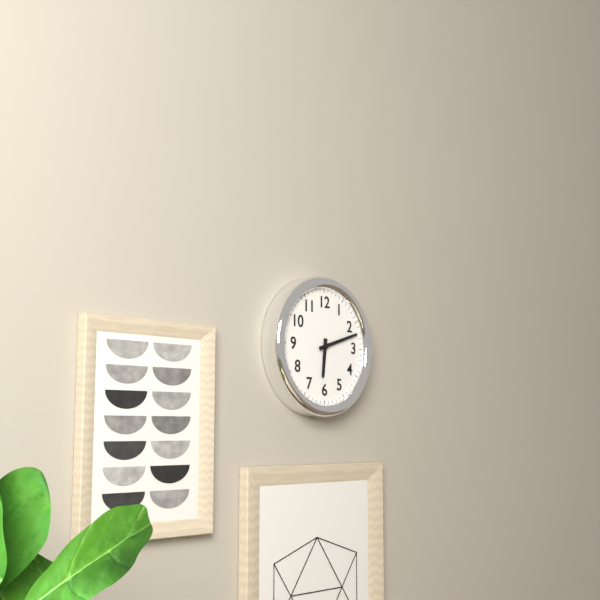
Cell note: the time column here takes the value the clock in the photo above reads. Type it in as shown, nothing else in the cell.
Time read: 6:12
